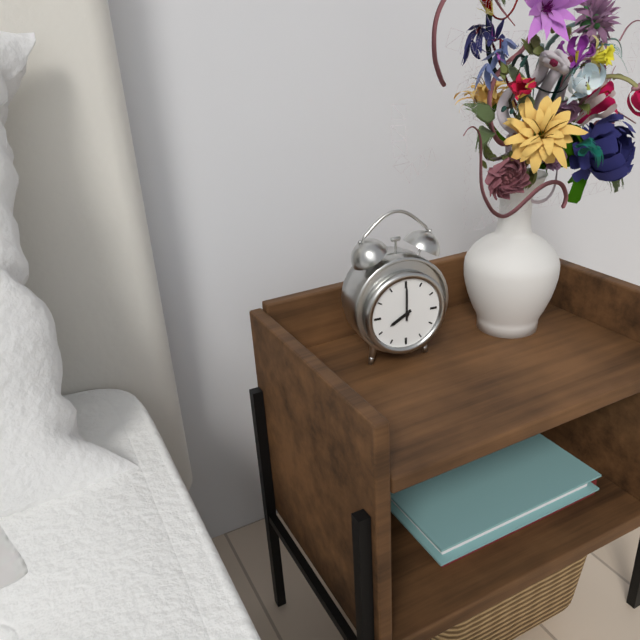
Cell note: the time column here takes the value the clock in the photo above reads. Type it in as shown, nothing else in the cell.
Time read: 8:00
